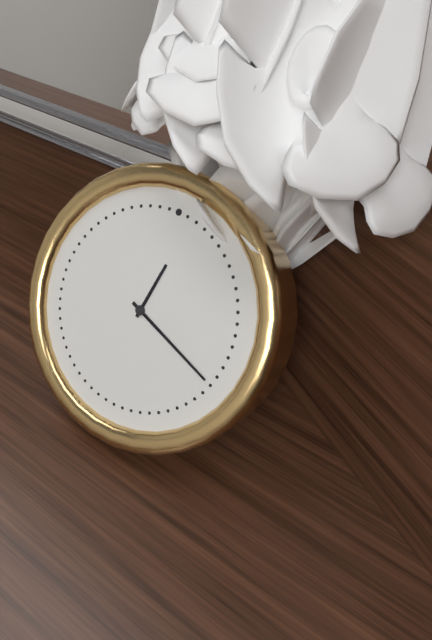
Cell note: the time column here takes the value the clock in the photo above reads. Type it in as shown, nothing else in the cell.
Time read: 12:18
